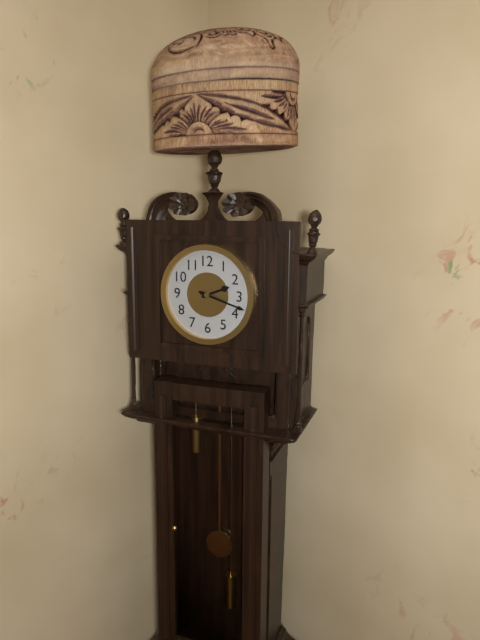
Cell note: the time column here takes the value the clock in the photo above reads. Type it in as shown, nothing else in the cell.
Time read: 2:18
